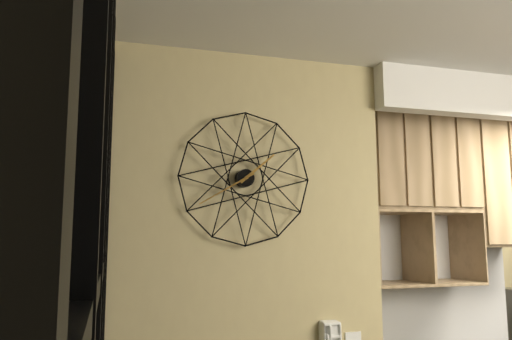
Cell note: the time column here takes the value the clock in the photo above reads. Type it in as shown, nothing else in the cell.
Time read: 1:40
